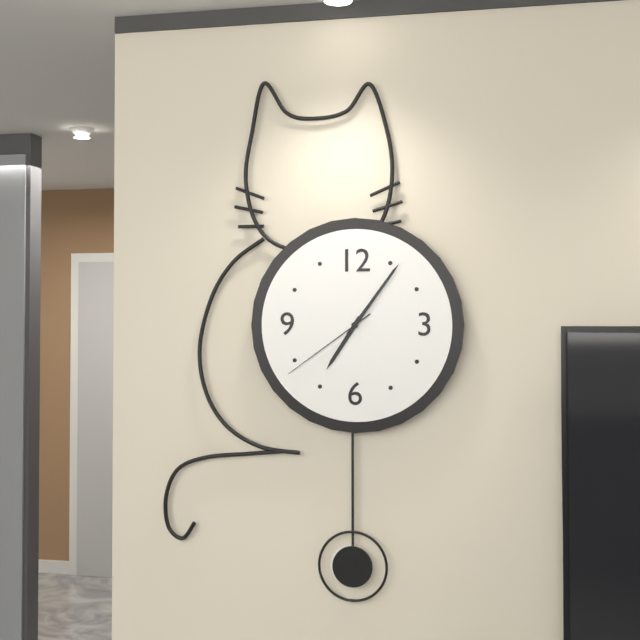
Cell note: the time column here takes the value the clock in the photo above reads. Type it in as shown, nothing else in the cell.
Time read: 7:06:39
